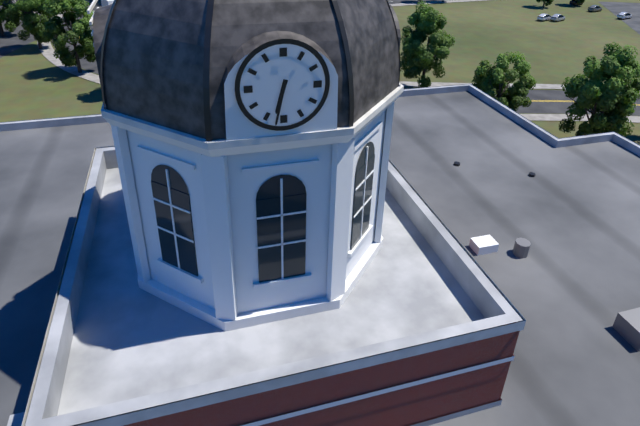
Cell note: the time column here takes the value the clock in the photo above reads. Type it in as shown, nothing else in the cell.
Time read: 6:32
